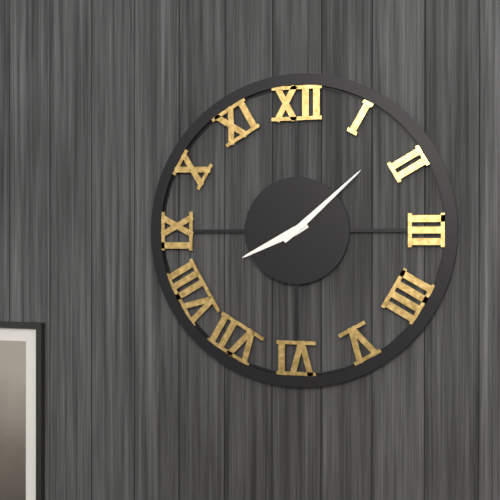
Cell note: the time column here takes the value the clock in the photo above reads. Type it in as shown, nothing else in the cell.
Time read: 8:08
